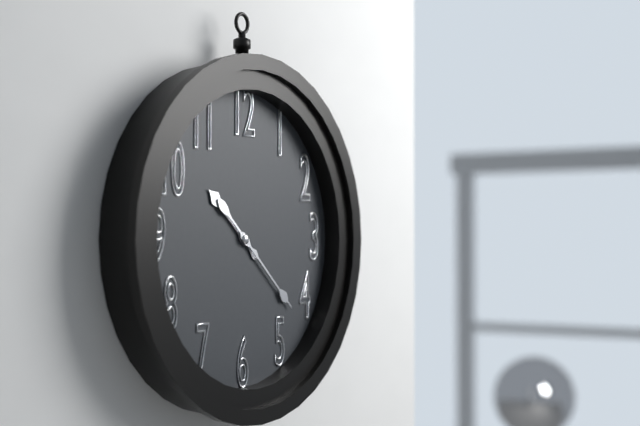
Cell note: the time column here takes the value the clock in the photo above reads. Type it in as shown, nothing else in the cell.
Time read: 10:22
